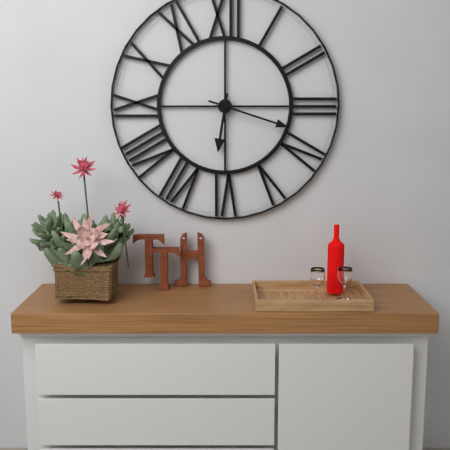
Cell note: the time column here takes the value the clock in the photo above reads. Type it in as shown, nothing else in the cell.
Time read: 6:18
